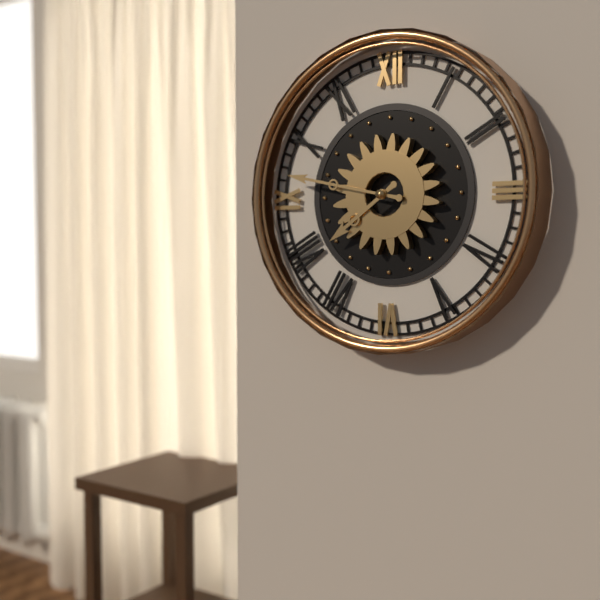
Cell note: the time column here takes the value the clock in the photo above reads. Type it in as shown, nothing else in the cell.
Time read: 7:47
